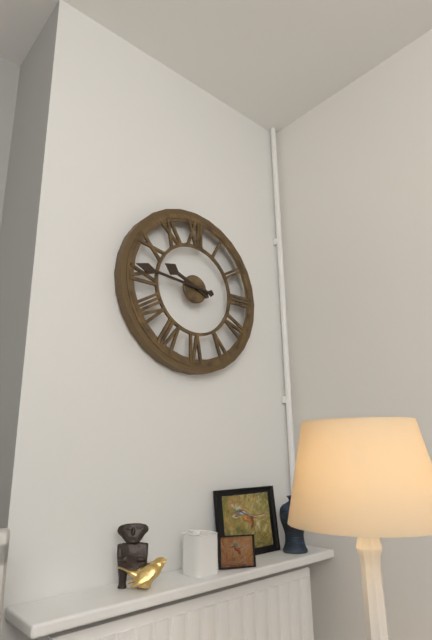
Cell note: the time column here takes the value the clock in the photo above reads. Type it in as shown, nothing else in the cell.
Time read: 9:46
